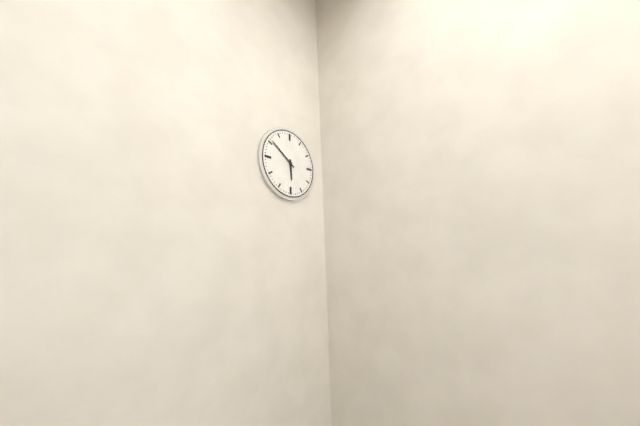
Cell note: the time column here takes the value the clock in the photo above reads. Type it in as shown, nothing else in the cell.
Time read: 5:51
